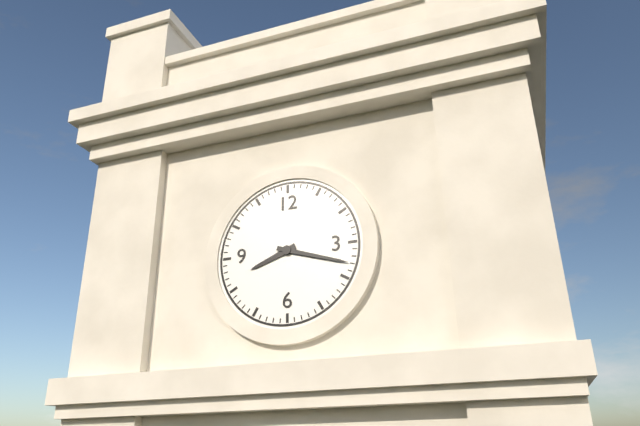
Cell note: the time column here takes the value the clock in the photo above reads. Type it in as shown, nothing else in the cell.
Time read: 8:18
